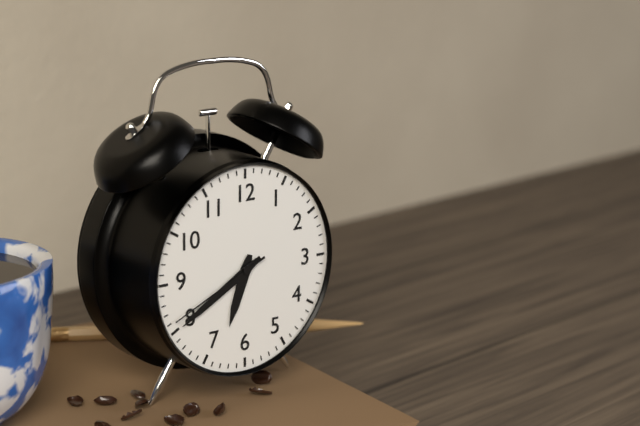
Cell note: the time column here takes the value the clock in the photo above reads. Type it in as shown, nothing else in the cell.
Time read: 6:40:41
